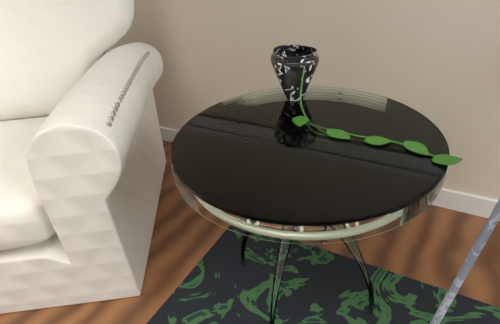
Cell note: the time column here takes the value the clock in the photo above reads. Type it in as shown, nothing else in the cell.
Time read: 1:19
